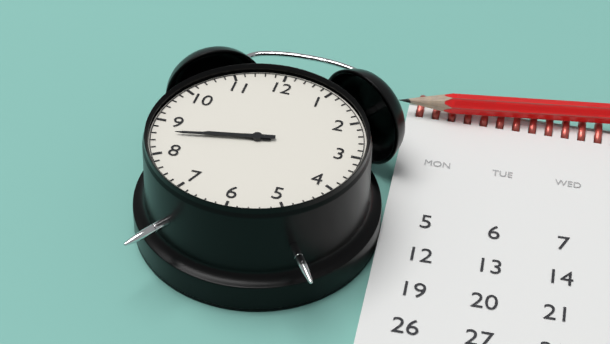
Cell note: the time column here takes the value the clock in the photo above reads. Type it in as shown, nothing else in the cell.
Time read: 8:43
